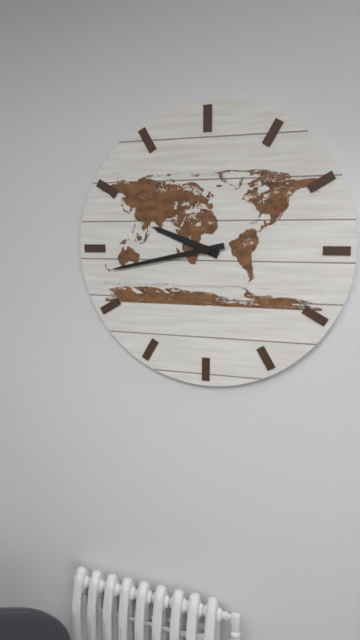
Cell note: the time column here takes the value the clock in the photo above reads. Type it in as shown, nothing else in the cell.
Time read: 9:43
